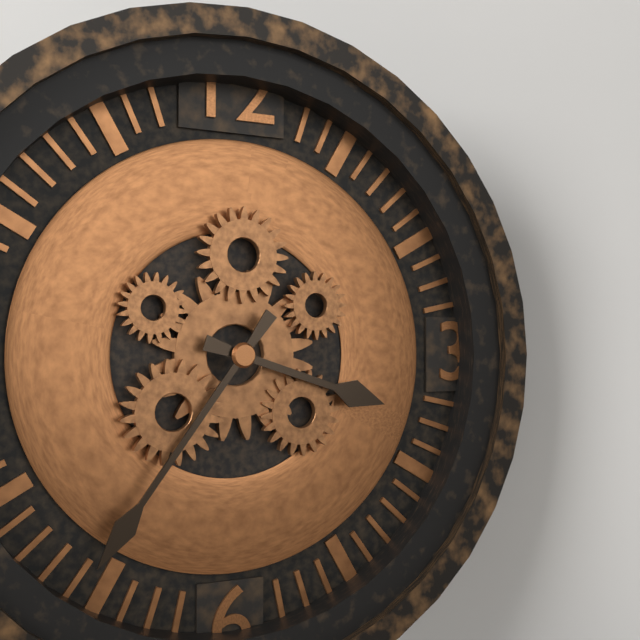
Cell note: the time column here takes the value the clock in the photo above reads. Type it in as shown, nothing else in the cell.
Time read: 3:36
